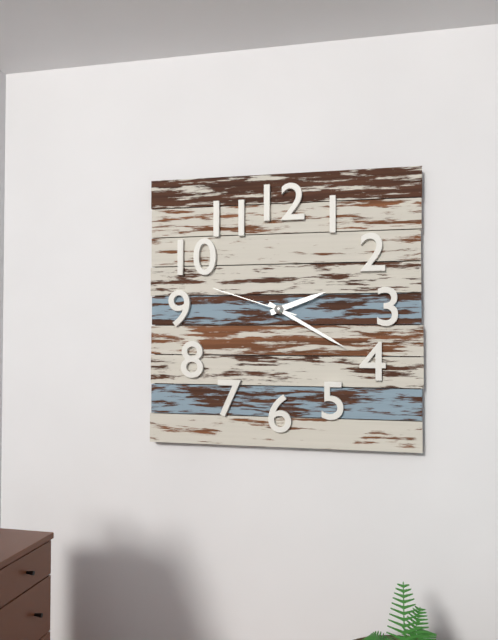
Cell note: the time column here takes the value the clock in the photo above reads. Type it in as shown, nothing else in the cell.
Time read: 2:20:48
